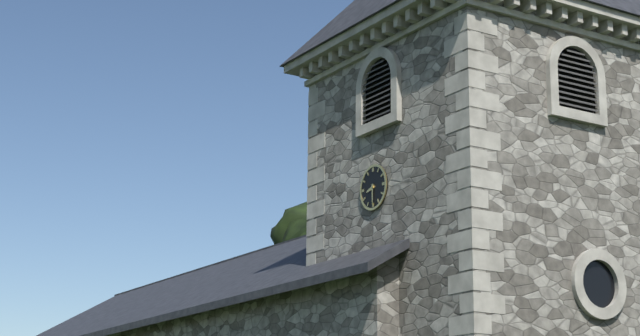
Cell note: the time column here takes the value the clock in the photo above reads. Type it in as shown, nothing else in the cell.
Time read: 8:30
